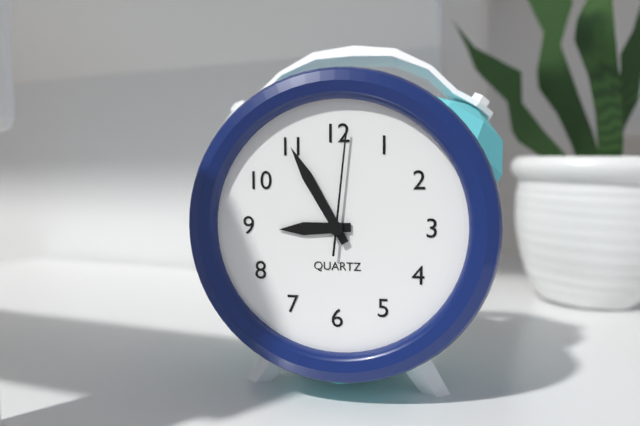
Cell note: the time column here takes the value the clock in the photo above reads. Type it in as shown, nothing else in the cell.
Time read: 8:55:01
